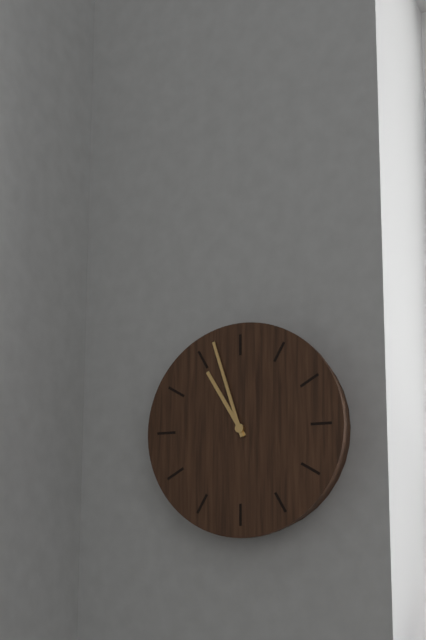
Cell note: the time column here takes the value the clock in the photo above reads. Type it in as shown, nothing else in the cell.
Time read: 10:57
